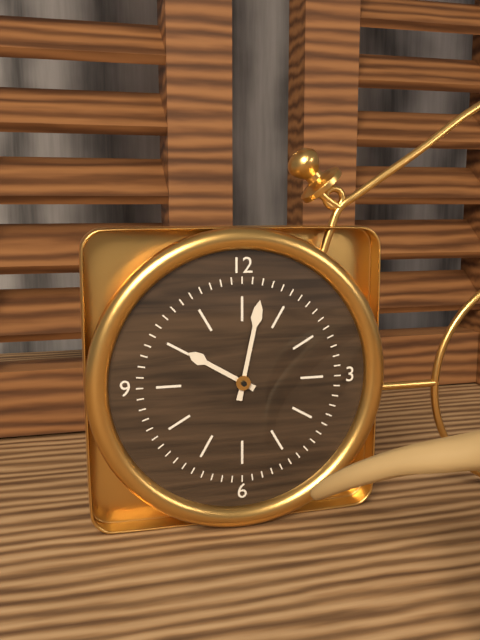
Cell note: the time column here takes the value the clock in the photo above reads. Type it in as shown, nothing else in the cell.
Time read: 10:02
